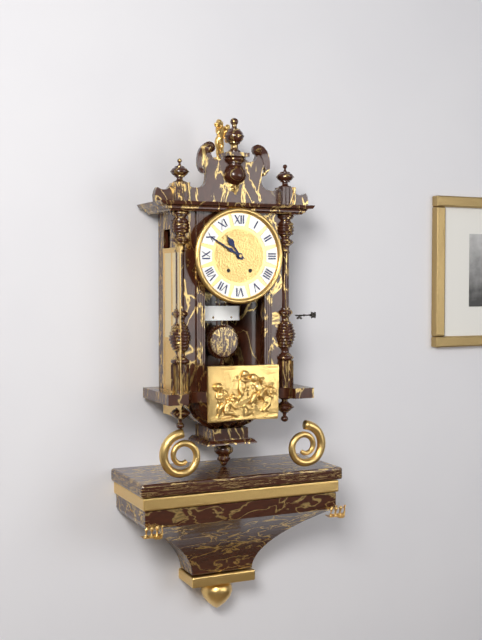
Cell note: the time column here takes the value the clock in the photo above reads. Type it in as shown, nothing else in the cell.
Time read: 10:50
